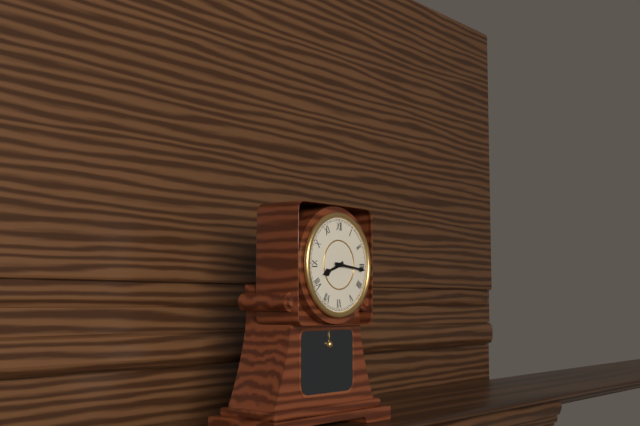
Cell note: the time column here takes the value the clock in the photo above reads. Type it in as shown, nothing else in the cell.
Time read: 8:16
